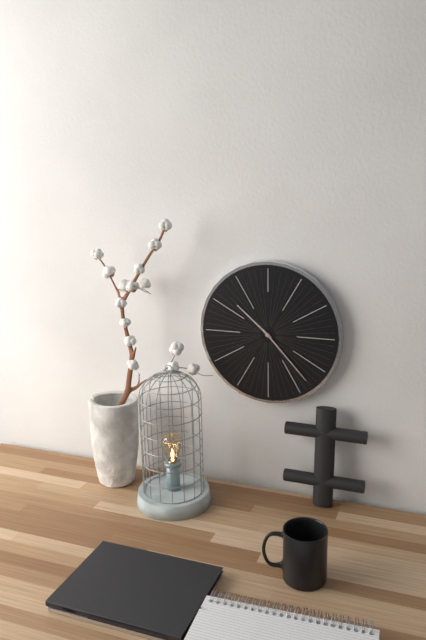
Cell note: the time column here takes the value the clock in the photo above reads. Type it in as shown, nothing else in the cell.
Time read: 10:23
